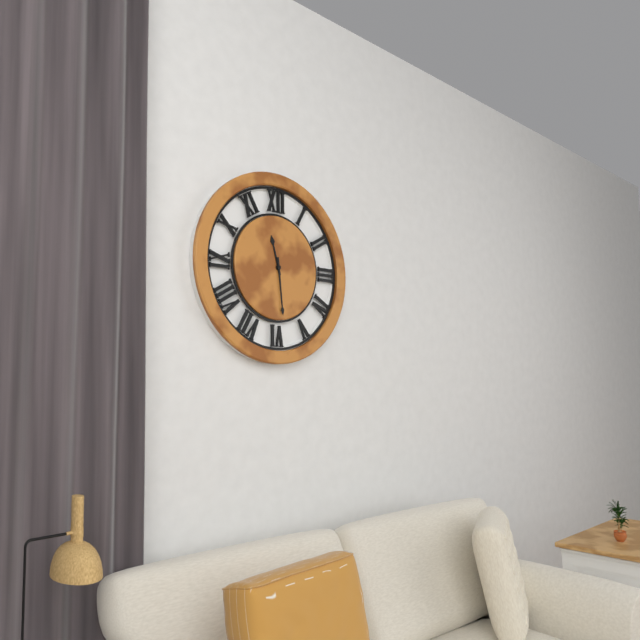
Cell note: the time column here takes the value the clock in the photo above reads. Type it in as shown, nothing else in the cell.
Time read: 11:29
